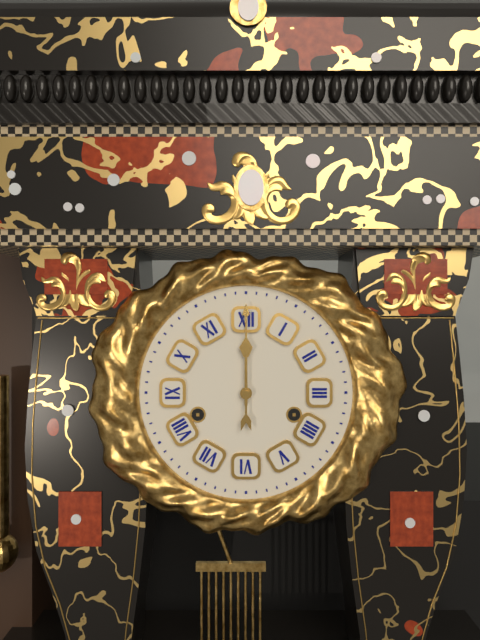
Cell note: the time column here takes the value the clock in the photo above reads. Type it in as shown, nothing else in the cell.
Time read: 12:00
